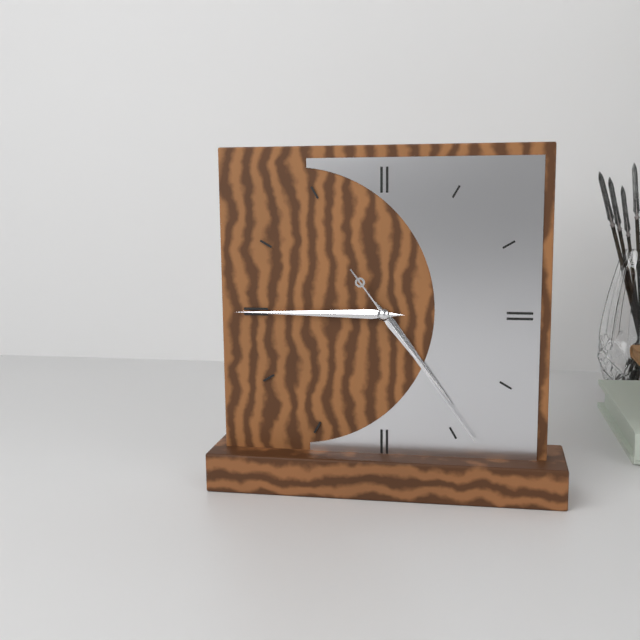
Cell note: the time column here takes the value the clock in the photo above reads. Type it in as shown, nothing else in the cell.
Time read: 4:45:24
